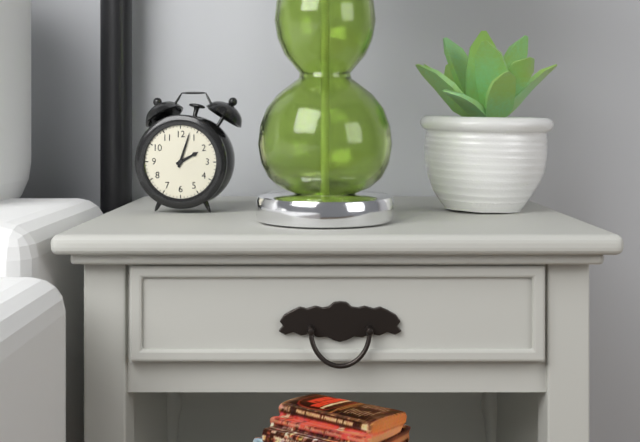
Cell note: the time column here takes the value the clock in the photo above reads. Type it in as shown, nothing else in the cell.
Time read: 2:03
